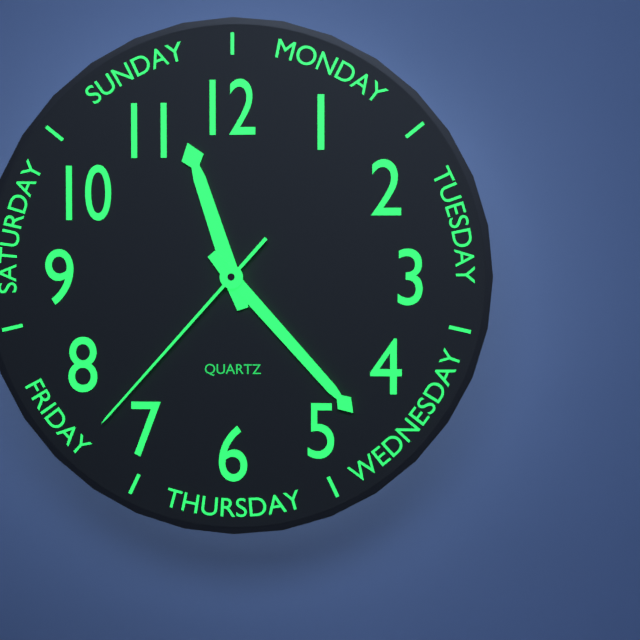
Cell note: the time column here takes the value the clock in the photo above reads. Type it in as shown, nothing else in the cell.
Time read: 11:23:37
